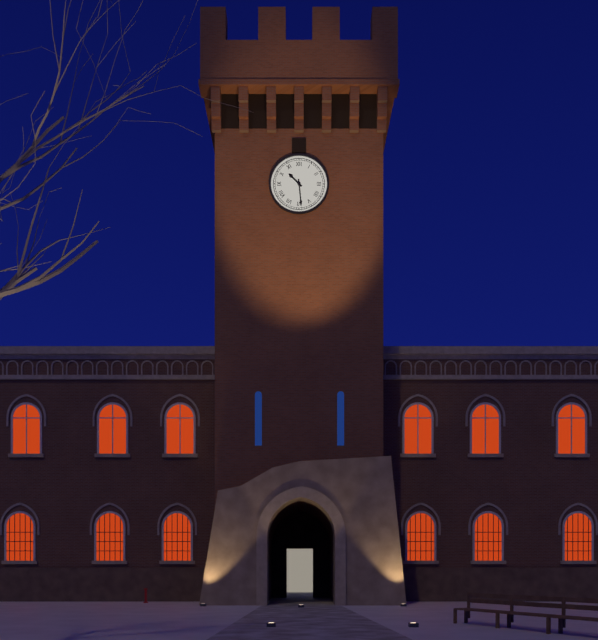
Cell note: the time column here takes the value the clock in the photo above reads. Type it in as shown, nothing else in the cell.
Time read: 10:29
